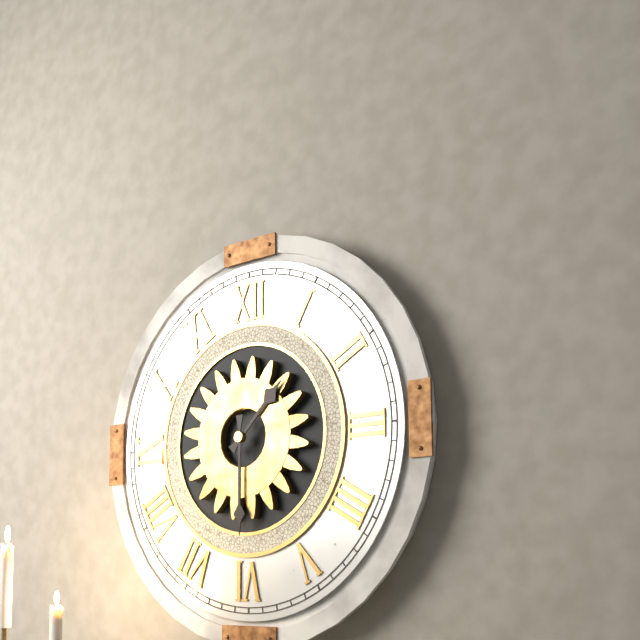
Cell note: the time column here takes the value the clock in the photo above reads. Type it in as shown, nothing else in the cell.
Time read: 1:30
